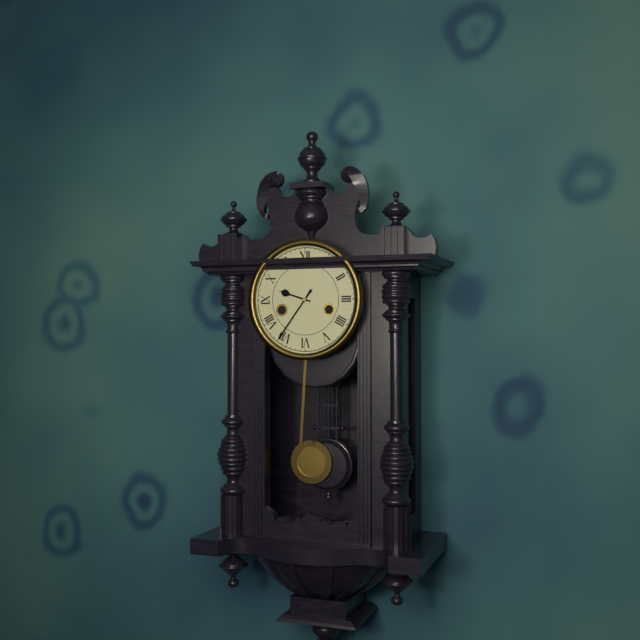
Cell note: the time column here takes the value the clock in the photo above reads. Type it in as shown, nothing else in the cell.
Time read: 9:36
